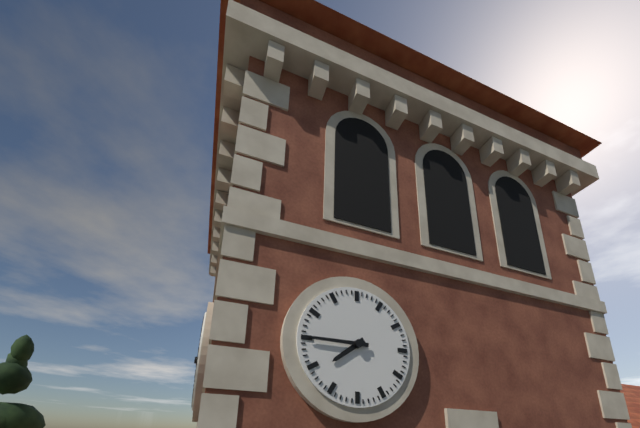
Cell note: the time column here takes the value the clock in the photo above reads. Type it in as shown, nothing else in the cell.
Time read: 7:45
